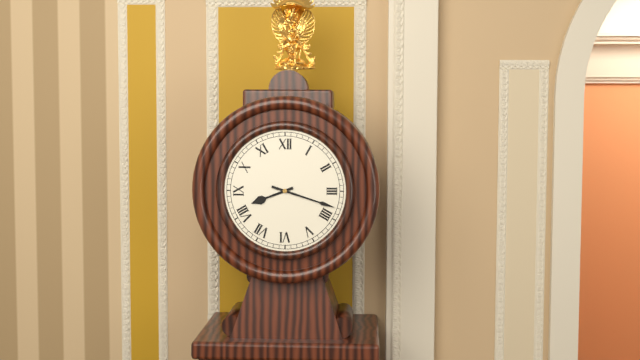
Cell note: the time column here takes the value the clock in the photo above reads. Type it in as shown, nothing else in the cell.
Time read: 8:18
